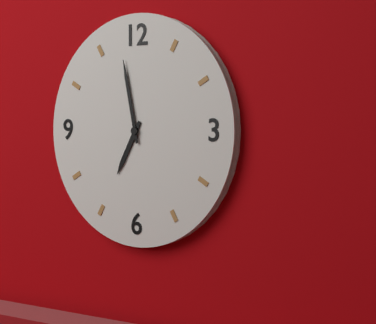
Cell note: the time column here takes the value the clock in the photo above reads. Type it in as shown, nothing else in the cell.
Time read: 6:58
